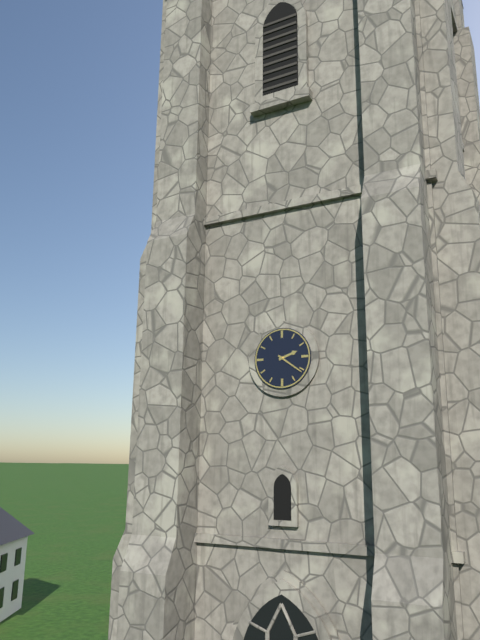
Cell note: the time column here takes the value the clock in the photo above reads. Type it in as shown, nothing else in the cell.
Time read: 2:21
